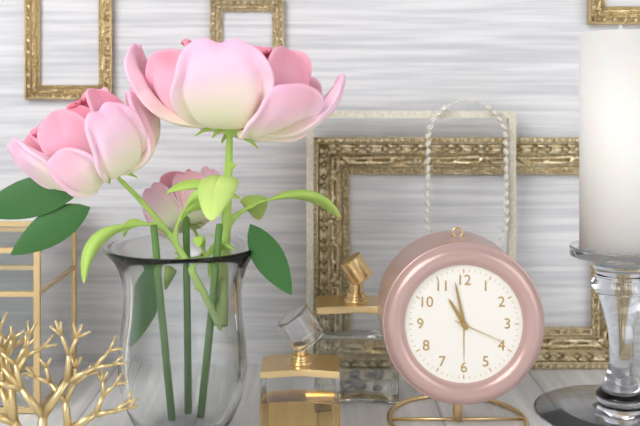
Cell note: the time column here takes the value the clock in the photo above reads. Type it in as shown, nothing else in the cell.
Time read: 10:58:19
